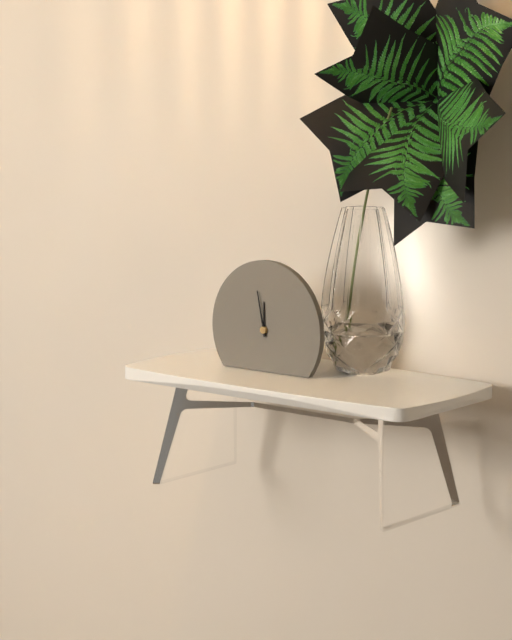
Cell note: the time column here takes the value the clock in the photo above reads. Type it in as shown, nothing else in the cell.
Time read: 11:58
